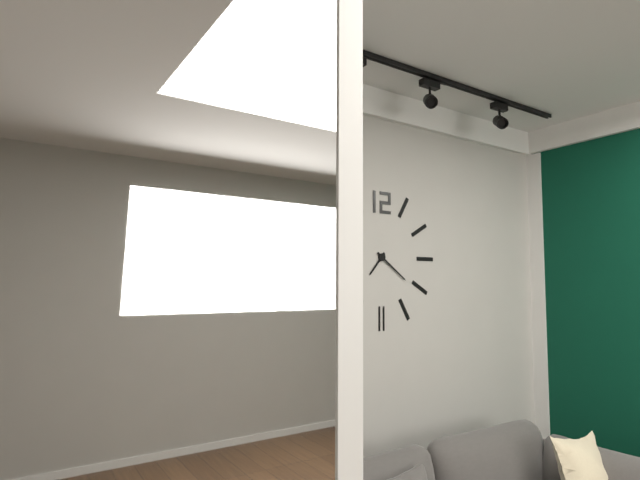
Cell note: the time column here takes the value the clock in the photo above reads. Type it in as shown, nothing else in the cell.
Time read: 7:21
